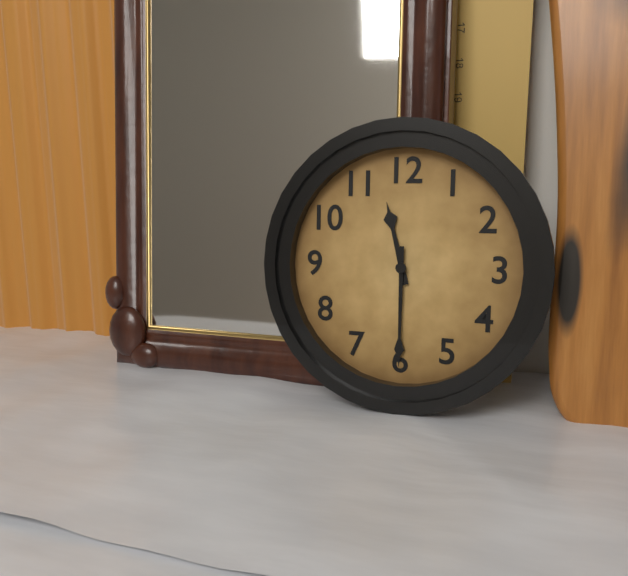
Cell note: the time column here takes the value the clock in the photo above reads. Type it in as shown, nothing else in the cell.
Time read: 11:30
